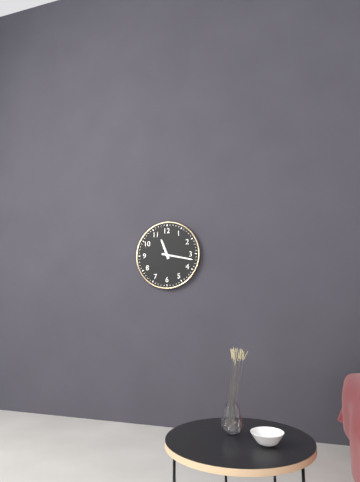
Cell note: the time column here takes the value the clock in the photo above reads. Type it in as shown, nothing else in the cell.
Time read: 11:17
